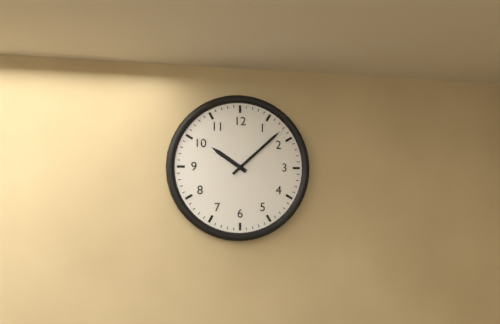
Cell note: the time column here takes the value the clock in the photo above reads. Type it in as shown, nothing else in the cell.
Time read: 10:08
